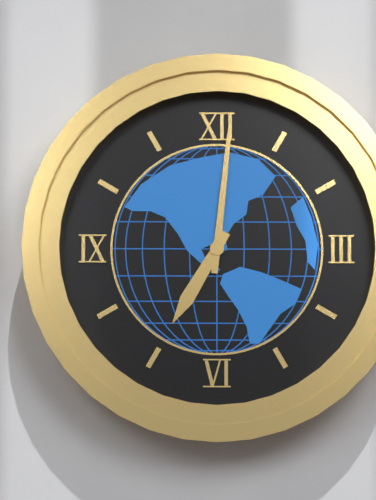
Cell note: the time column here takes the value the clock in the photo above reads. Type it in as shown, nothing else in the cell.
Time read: 7:01
